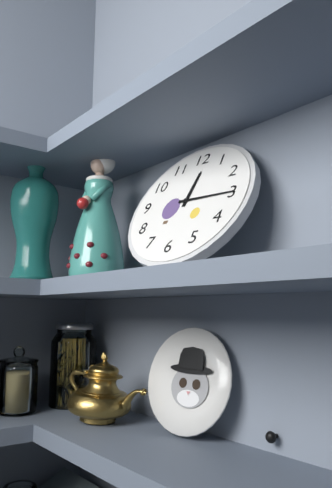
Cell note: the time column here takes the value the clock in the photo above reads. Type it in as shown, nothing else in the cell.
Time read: 12:15
